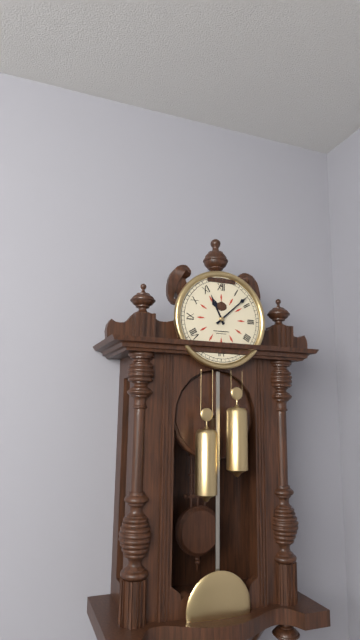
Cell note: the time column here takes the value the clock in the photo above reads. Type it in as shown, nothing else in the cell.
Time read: 11:08
